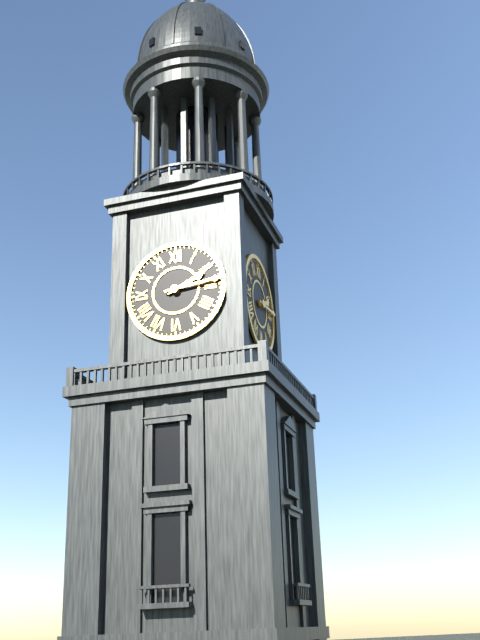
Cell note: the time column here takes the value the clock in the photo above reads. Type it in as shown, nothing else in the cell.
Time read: 2:14
